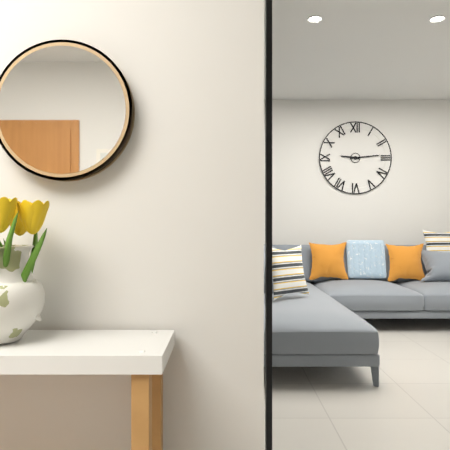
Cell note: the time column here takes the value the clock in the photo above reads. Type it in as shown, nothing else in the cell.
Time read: 9:14
